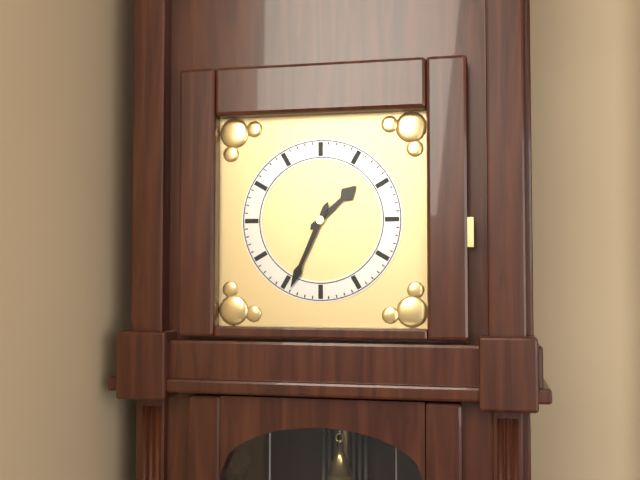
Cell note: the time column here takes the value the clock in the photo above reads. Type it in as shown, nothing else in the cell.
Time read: 1:34
